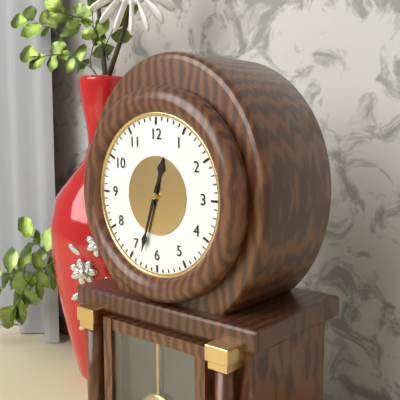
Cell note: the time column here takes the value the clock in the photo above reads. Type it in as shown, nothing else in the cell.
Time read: 12:33
